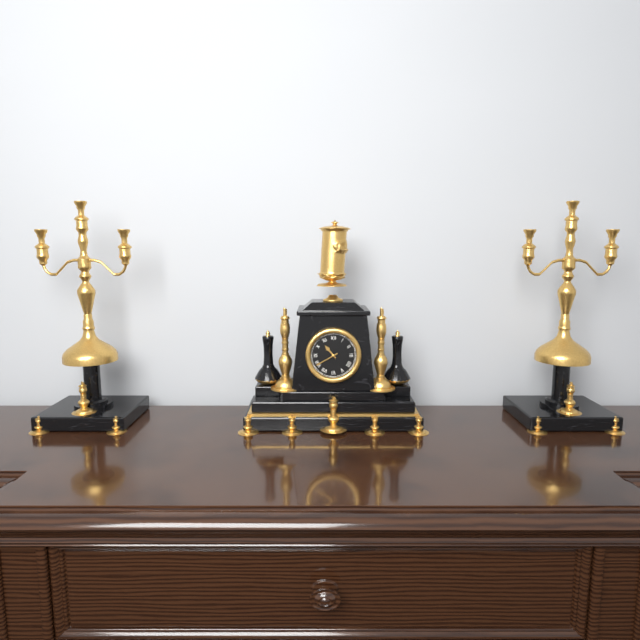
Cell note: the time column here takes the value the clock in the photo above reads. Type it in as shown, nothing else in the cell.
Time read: 10:40
